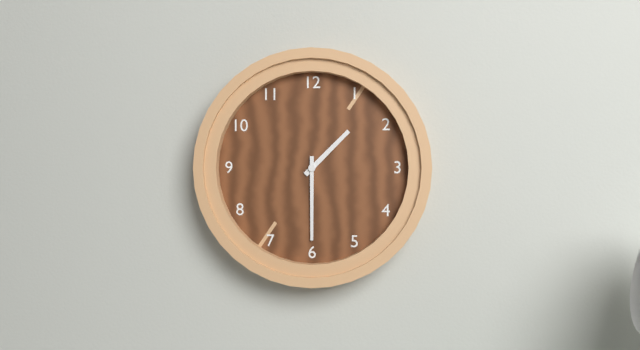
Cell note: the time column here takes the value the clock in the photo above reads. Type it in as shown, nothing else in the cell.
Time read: 1:30
